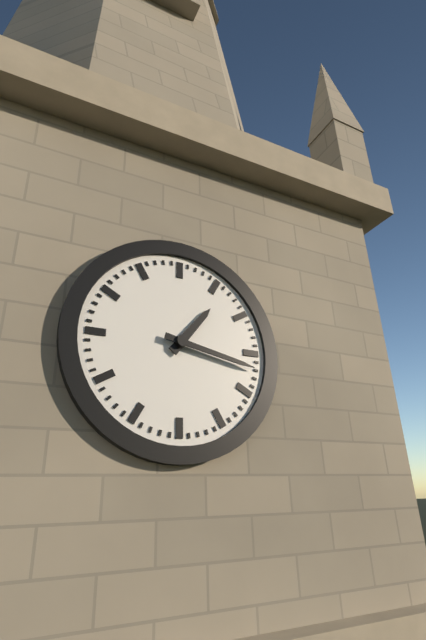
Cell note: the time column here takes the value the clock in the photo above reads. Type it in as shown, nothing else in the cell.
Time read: 1:17
